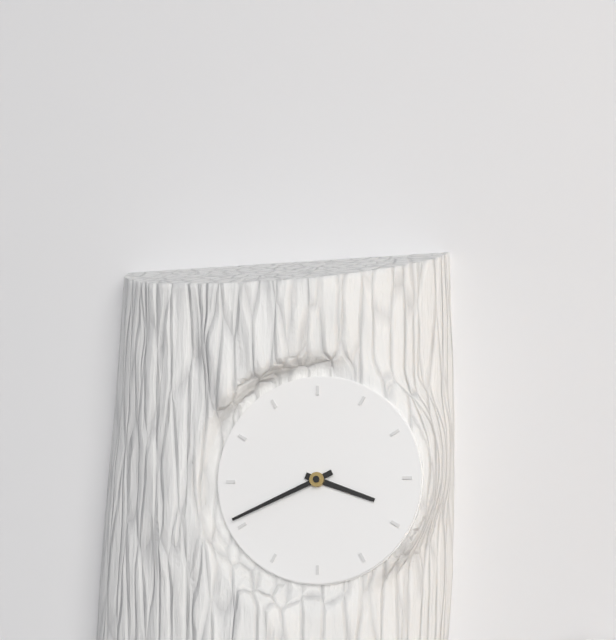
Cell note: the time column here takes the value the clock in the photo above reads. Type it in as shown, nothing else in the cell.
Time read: 3:41
